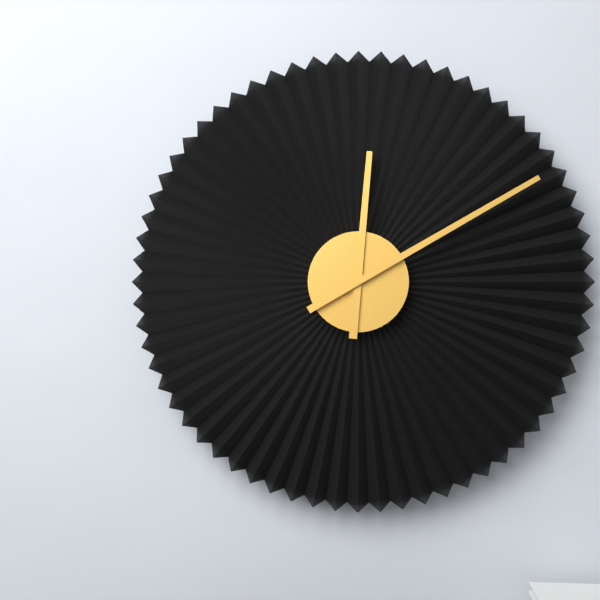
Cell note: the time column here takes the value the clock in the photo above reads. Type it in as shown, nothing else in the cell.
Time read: 12:10
